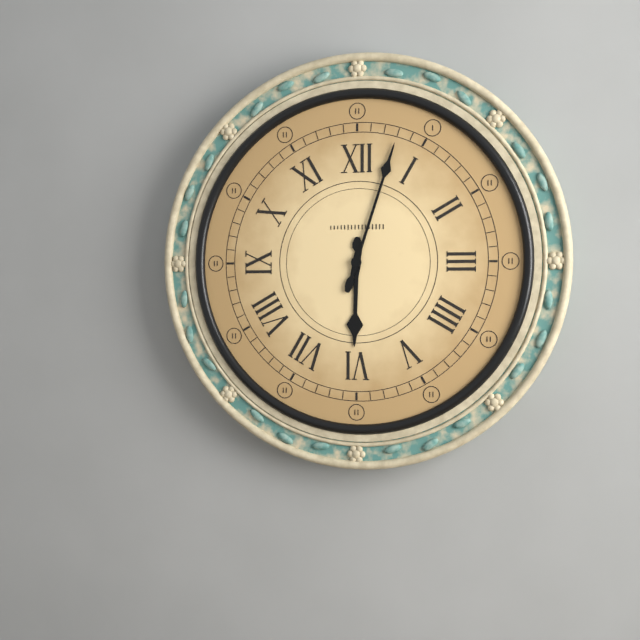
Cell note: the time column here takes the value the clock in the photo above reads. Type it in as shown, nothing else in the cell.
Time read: 6:03
